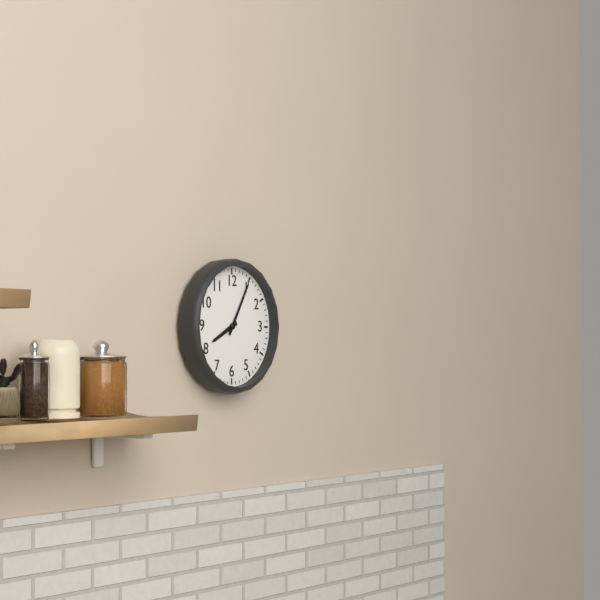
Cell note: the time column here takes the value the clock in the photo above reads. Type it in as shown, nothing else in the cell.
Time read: 8:05
